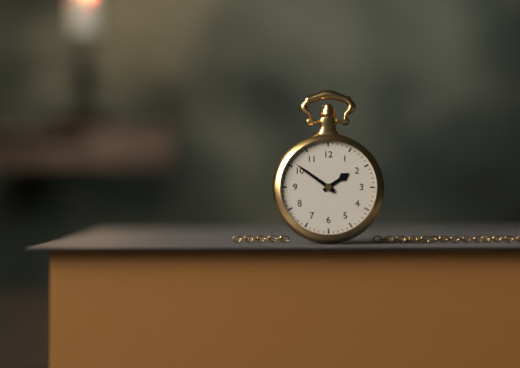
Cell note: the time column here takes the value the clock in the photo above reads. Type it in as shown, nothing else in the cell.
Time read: 1:51
